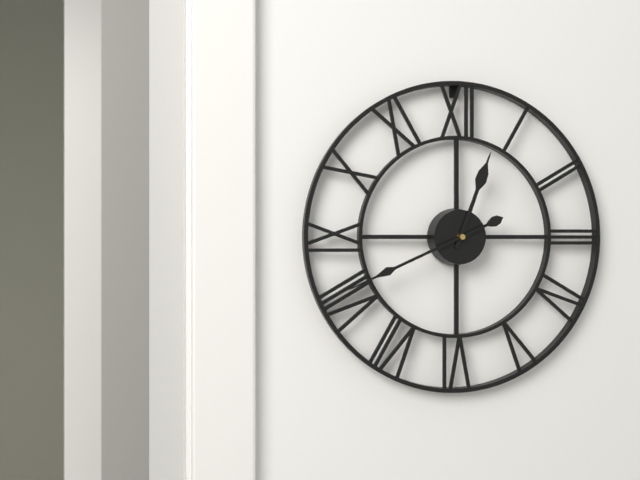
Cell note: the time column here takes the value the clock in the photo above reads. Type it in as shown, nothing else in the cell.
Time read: 12:41
